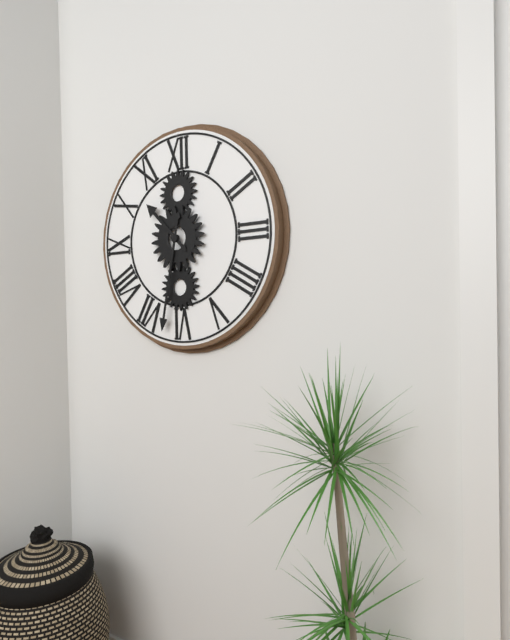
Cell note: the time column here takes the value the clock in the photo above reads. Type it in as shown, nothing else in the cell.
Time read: 10:32
